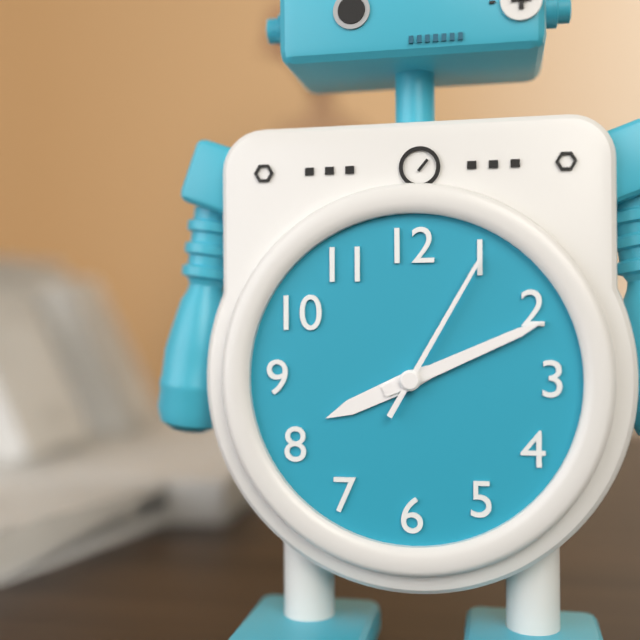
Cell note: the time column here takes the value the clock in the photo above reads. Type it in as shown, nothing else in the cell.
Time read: 8:11:05
